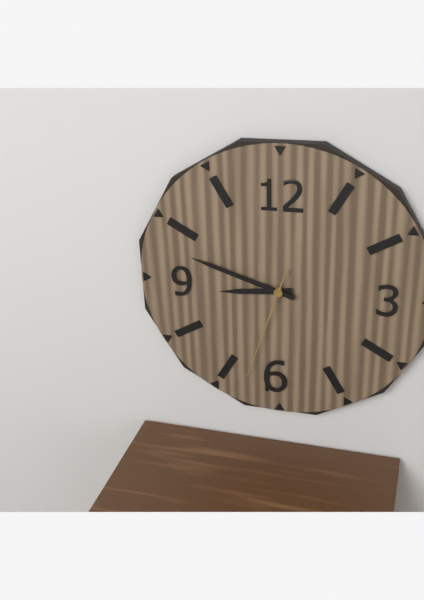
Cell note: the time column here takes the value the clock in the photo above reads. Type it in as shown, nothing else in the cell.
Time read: 8:48:33
